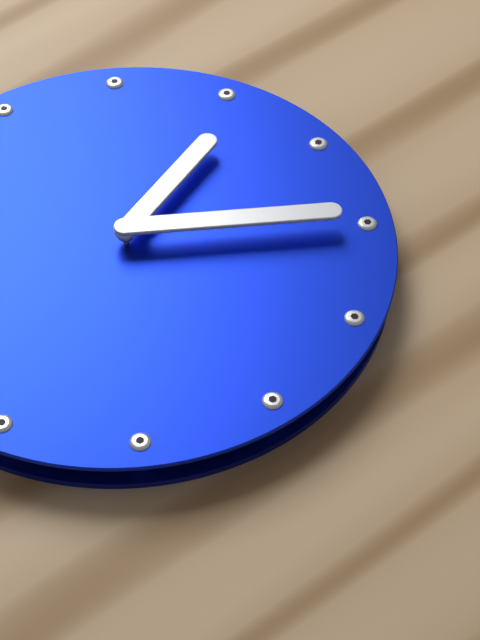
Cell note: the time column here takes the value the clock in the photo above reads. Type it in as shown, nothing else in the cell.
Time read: 1:15
